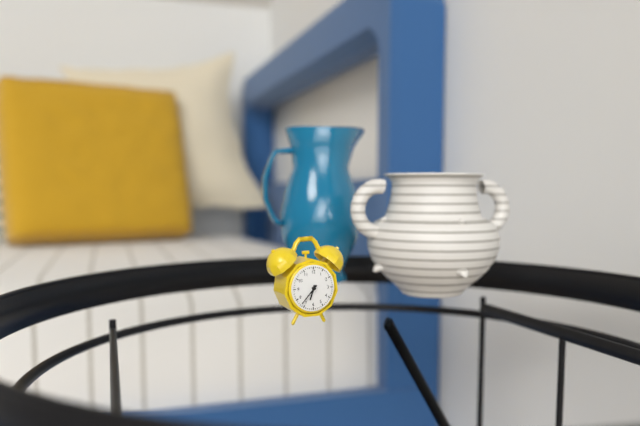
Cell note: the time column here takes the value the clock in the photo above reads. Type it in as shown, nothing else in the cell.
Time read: 6:37
